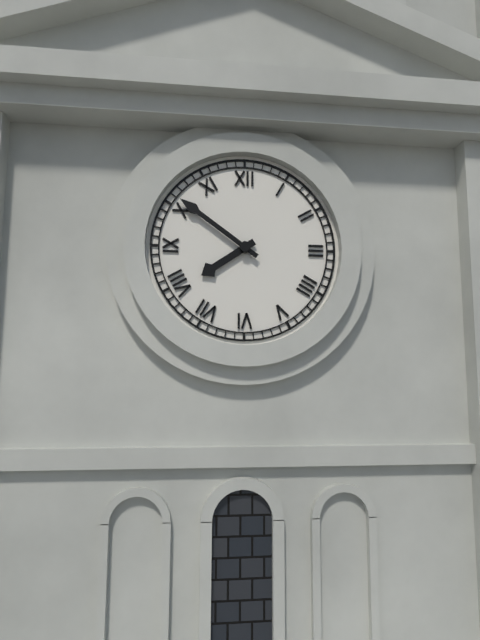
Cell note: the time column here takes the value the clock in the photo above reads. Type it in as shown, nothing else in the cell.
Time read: 7:51
